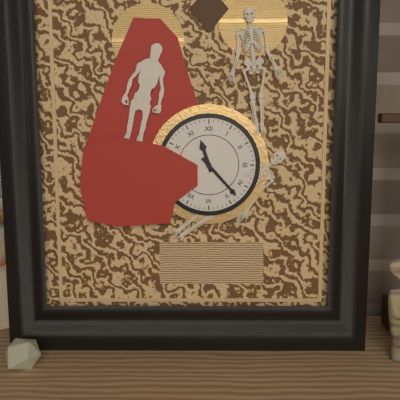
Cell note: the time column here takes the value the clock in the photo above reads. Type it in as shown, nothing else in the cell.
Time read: 11:23
